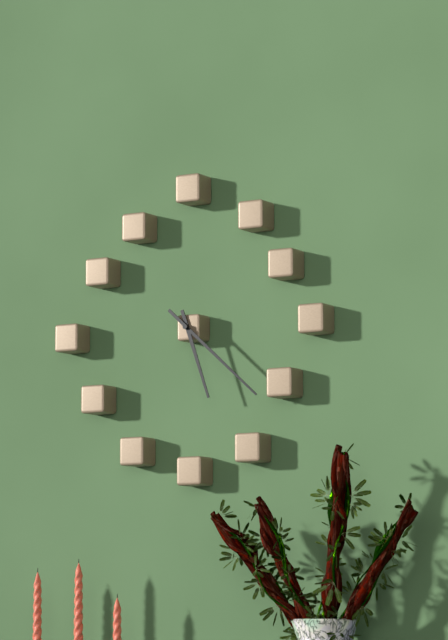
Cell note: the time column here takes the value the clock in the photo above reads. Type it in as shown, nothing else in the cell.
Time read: 5:22
